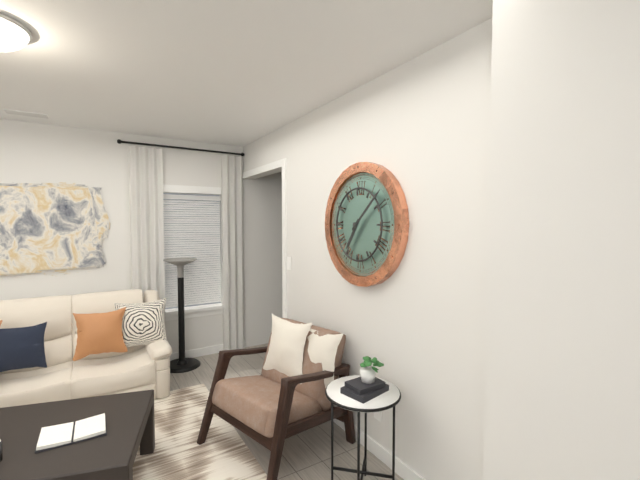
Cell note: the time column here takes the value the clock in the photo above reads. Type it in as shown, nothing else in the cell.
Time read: 7:08
